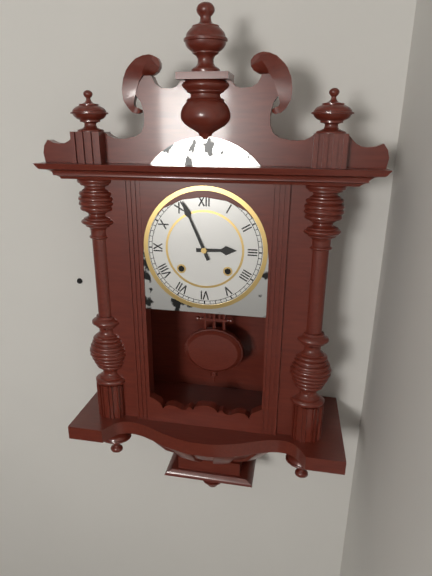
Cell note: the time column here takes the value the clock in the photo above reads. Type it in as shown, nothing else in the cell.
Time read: 2:56
